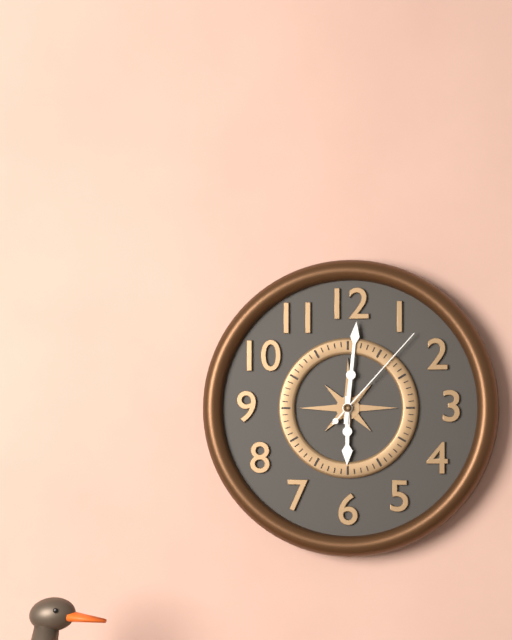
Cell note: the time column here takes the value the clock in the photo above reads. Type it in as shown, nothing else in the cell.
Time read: 6:01:07
